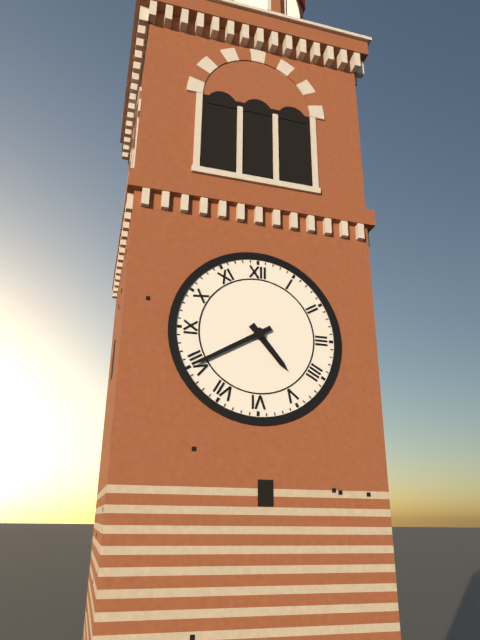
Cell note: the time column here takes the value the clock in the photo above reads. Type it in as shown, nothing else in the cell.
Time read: 4:40
